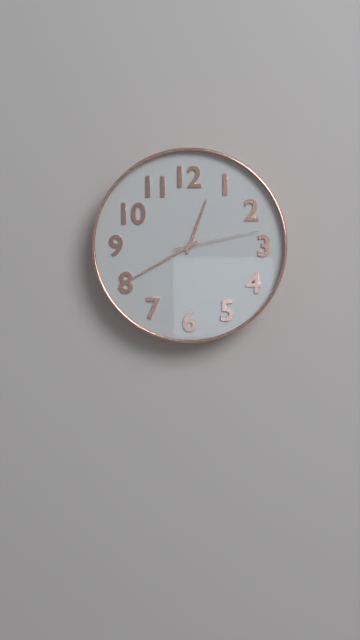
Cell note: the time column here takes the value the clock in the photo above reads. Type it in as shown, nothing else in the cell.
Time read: 12:40:13
